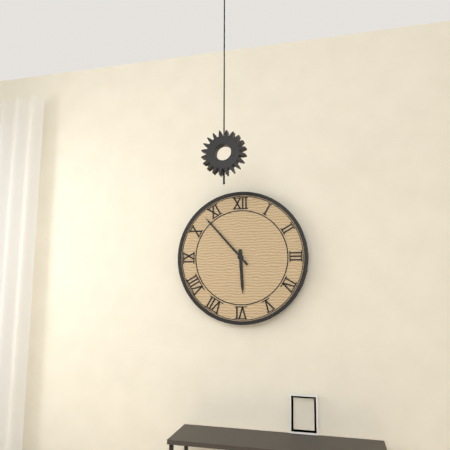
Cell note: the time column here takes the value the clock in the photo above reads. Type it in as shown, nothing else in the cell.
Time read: 5:53
